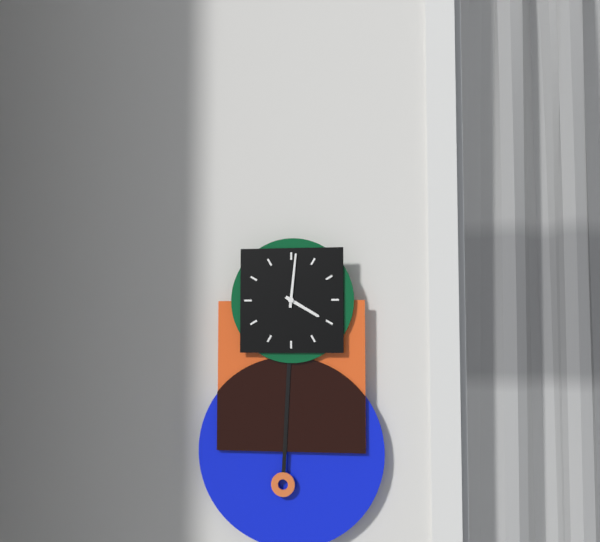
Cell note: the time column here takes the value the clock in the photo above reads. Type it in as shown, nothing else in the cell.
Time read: 4:01
